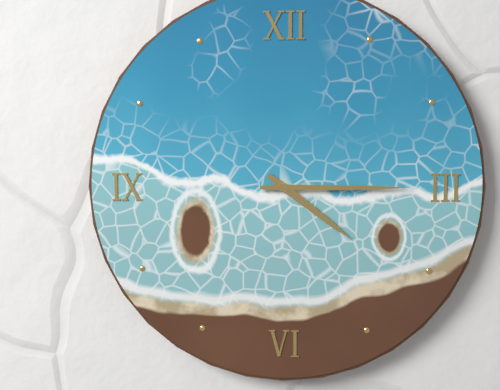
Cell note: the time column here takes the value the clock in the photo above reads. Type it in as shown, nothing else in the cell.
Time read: 4:15
